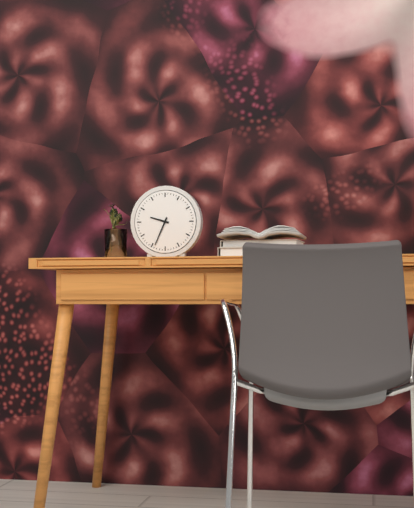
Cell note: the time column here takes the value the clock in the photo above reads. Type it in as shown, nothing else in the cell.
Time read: 9:34
